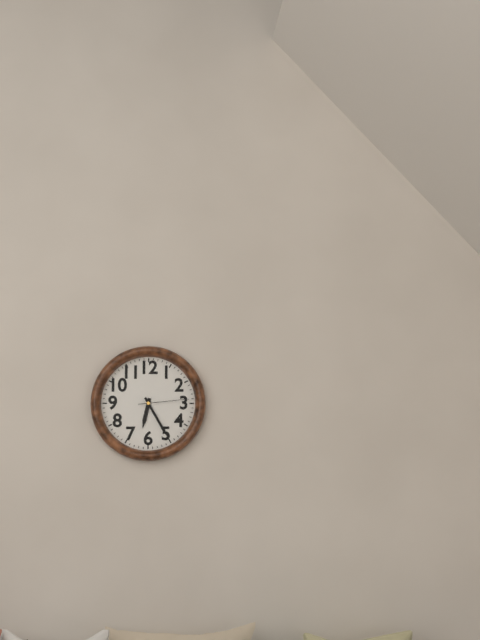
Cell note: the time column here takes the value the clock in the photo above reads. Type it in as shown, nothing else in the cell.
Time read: 6:25:14
